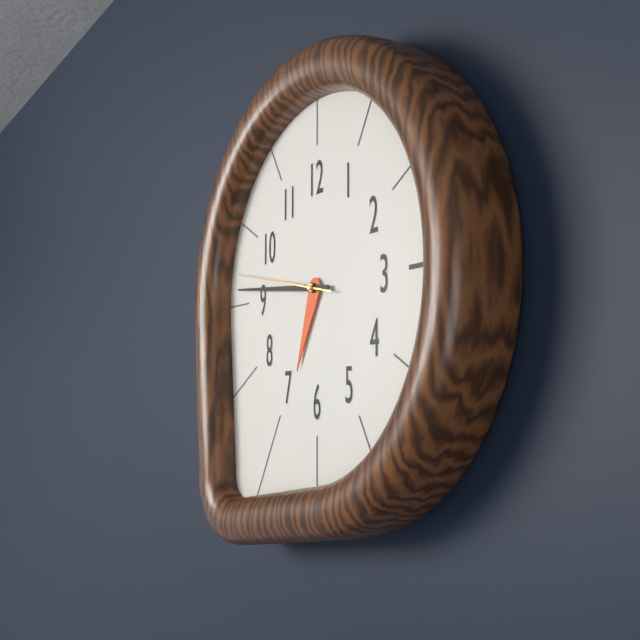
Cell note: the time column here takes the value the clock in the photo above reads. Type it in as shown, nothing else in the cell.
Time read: 6:46:47
